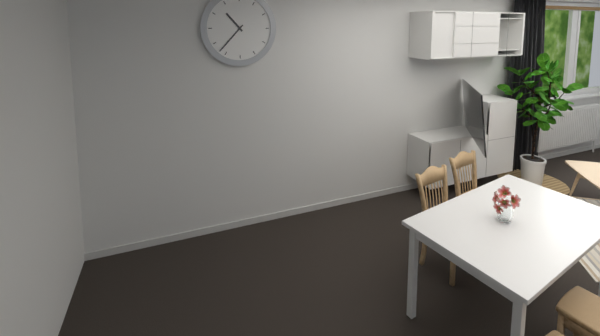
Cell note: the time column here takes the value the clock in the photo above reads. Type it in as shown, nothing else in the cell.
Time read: 10:37
